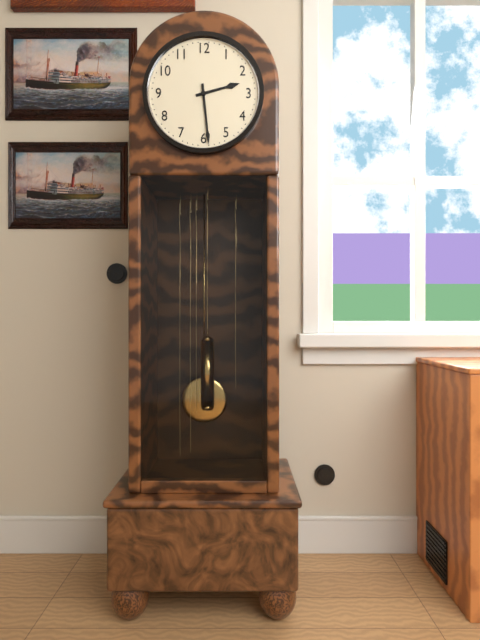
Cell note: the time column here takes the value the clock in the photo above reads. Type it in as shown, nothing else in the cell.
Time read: 2:29
